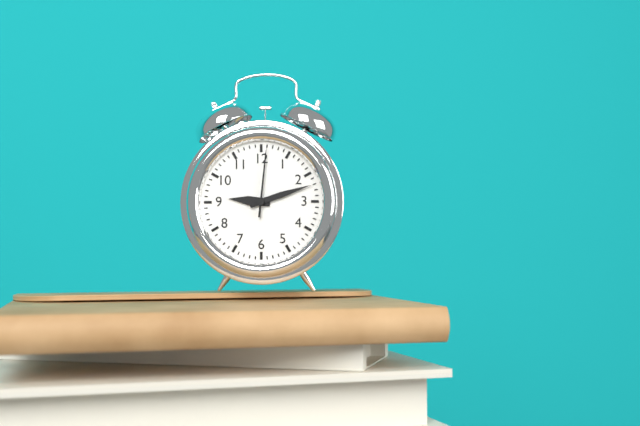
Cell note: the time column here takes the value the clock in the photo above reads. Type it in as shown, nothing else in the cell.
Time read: 9:12:01
